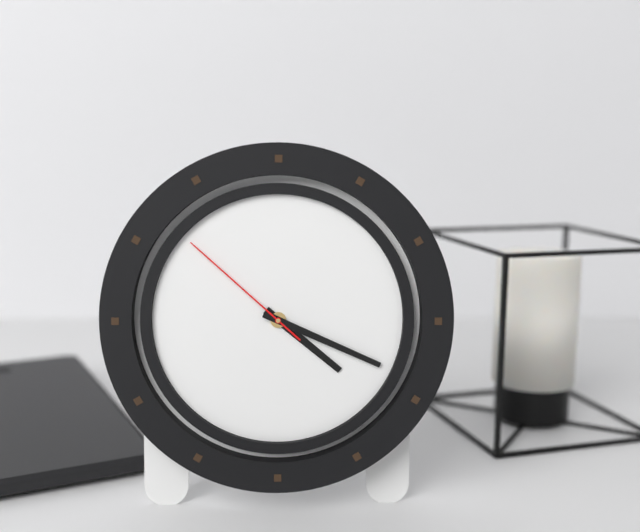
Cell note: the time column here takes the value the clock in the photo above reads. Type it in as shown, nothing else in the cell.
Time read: 4:19:52
